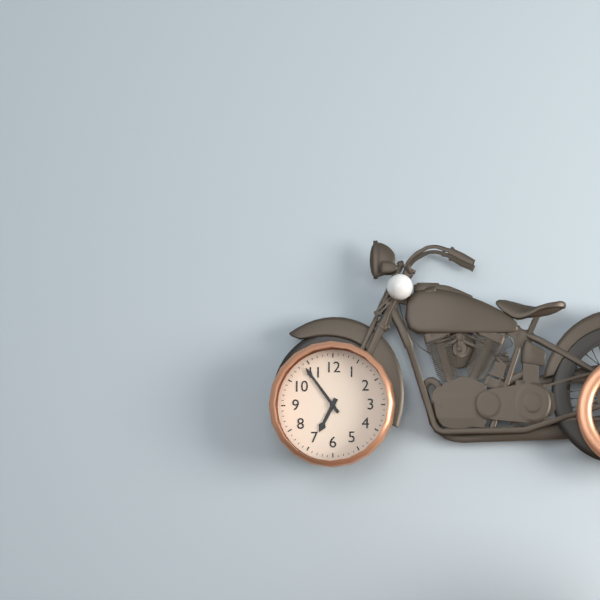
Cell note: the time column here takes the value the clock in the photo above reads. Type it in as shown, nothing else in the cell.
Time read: 6:54
